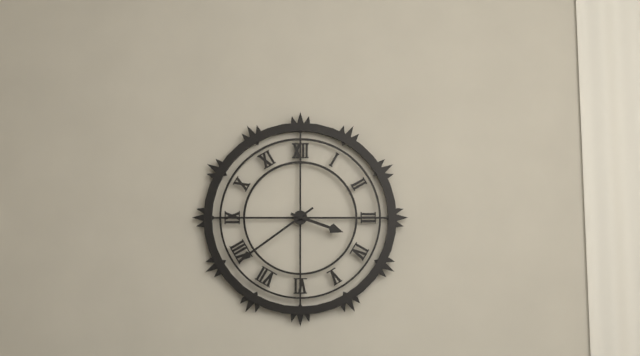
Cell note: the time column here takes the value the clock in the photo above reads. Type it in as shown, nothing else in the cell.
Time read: 3:39
